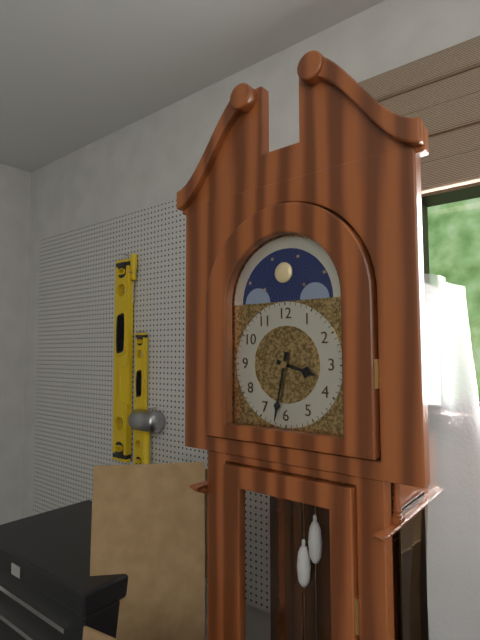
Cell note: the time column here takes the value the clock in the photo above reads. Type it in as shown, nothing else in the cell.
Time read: 3:32
